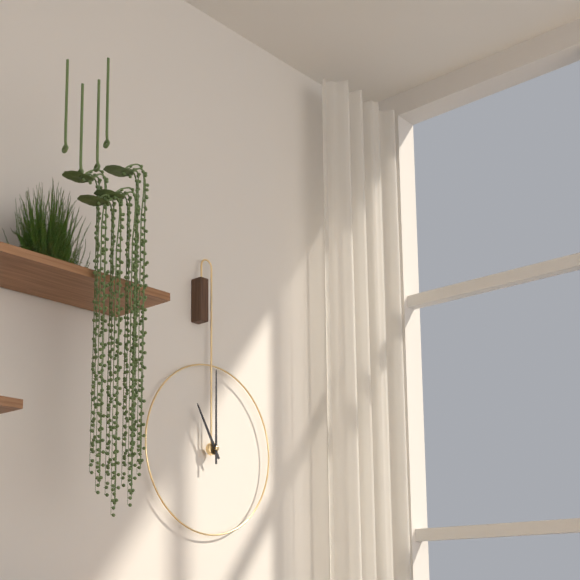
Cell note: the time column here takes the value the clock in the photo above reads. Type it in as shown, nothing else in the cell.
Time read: 11:00
